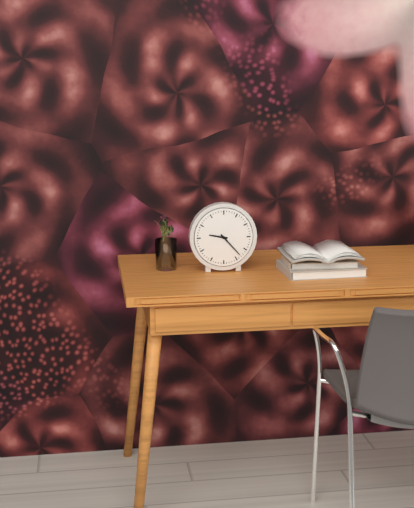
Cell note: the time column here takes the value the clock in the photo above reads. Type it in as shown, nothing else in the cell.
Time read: 9:23
